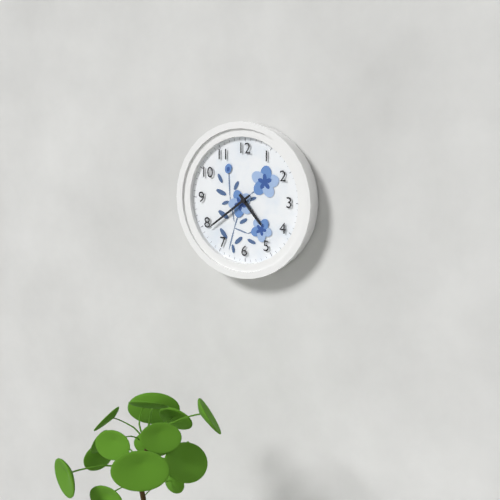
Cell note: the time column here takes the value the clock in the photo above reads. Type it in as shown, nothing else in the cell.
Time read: 4:39
